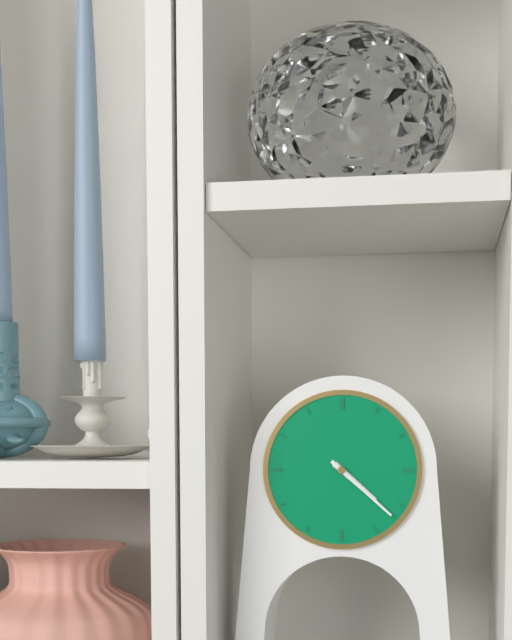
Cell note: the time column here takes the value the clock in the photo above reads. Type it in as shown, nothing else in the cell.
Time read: 4:22
